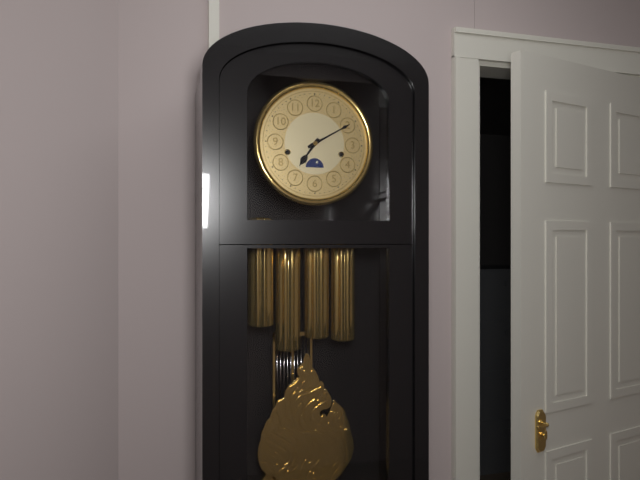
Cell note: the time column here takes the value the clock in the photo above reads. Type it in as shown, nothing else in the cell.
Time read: 7:10
